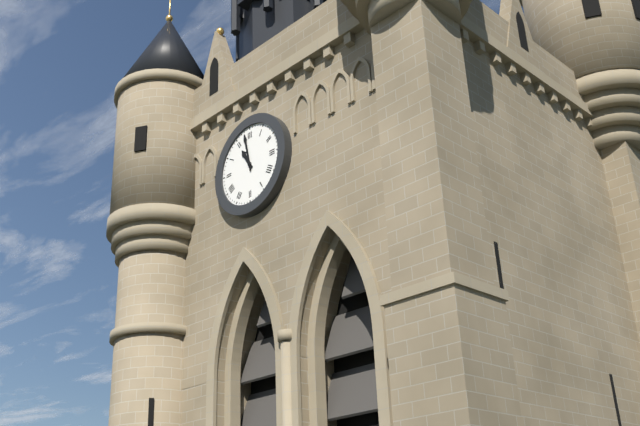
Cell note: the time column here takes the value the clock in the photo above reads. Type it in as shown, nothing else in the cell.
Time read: 10:58
